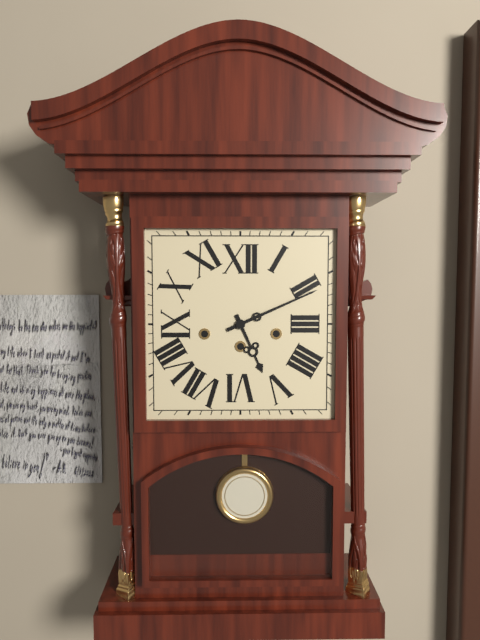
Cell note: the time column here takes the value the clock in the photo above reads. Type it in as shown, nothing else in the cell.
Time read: 5:11
